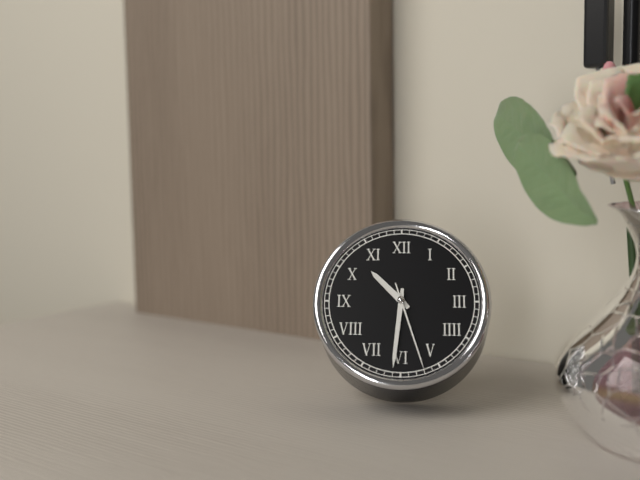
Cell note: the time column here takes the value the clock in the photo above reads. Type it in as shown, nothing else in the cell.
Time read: 10:31:27
